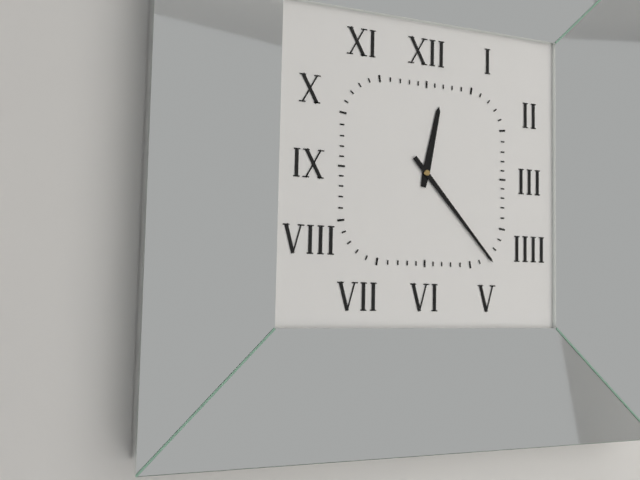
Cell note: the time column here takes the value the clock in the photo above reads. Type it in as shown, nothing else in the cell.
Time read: 12:23
